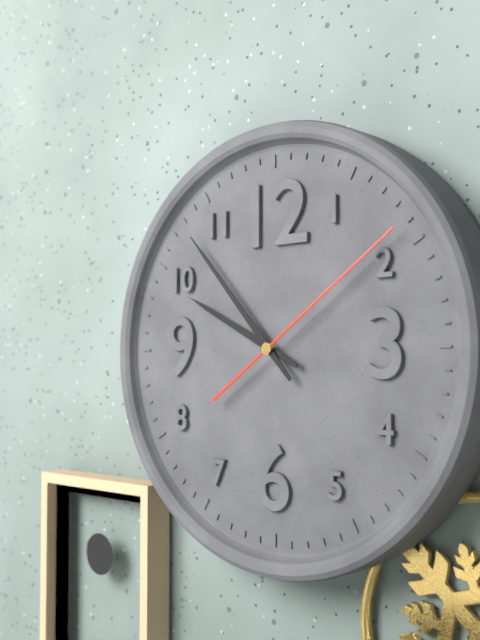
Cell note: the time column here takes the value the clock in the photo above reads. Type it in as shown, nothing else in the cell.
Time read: 9:53:09
